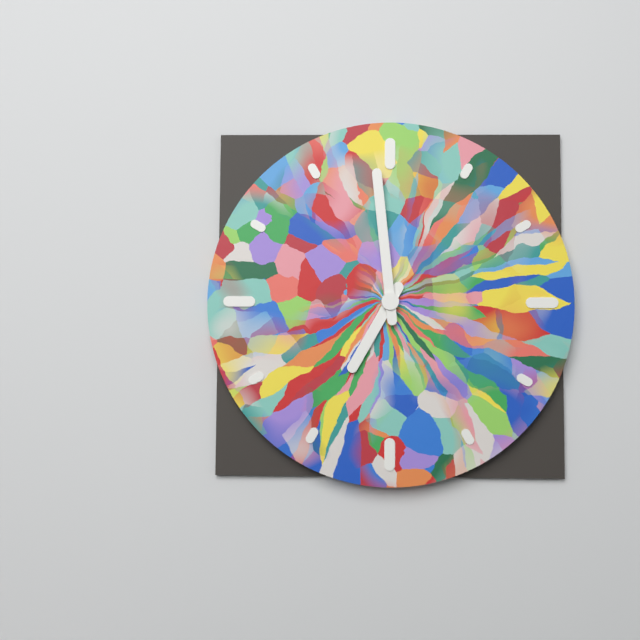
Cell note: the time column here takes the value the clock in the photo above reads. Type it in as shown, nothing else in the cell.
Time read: 6:59
